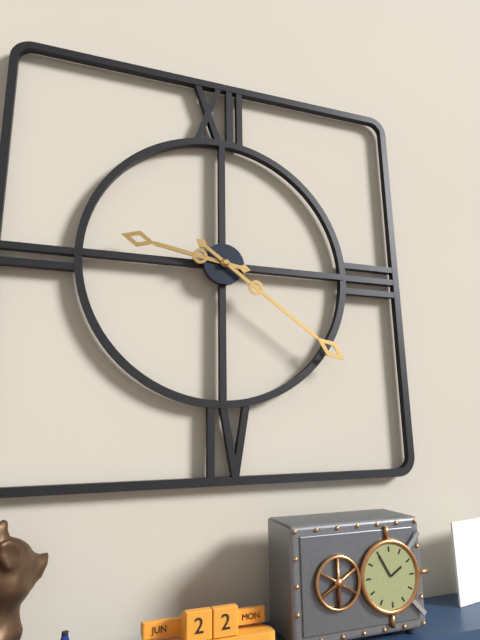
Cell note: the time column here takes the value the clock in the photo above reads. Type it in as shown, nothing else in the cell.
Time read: 9:21
